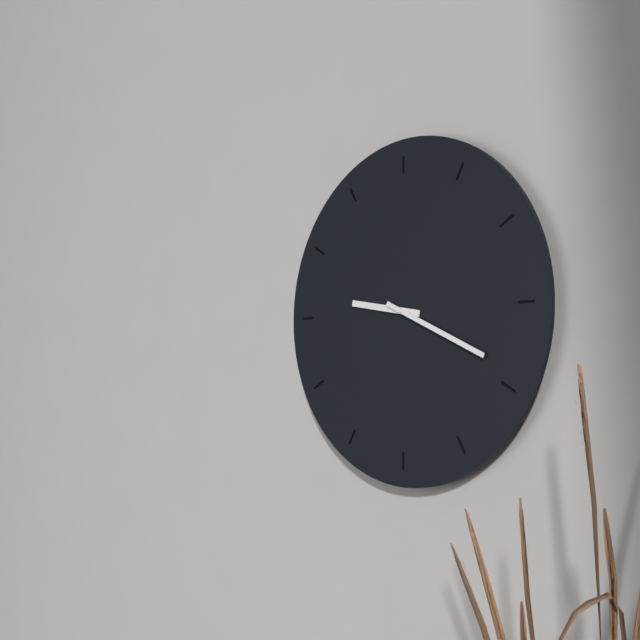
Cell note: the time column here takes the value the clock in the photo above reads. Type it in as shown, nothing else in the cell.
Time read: 9:19
